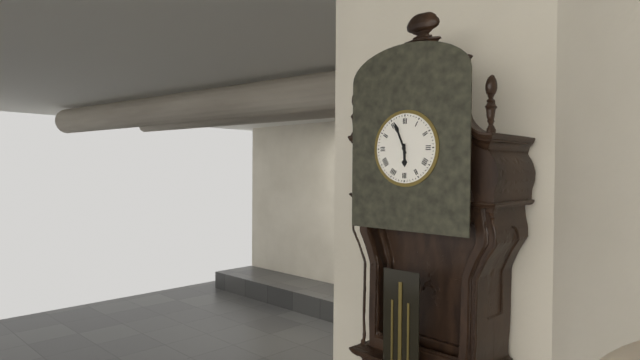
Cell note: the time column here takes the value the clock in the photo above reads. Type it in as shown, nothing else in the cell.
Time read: 5:56
